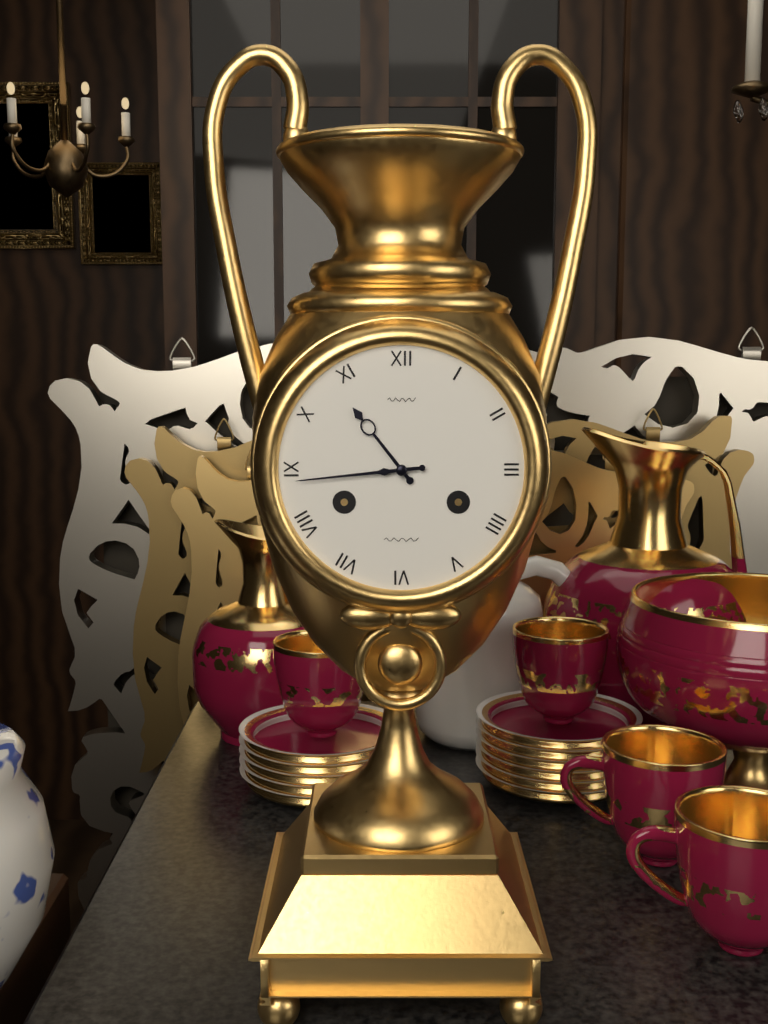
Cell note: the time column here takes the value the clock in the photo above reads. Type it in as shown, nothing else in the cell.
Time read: 10:44
